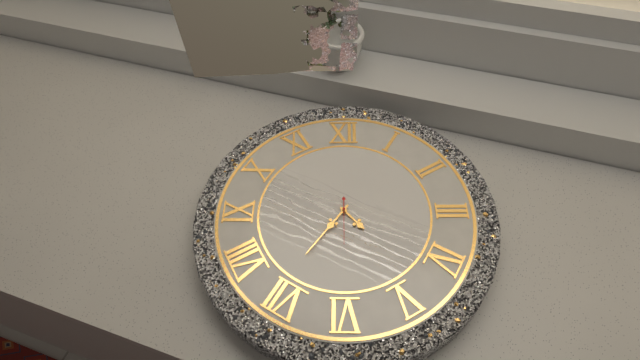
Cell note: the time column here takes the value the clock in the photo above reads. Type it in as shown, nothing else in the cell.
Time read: 4:36
